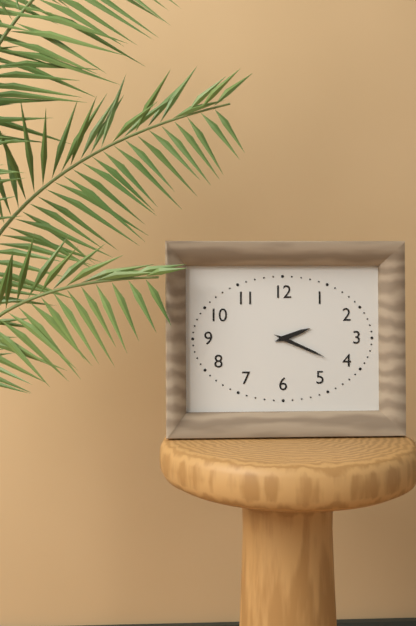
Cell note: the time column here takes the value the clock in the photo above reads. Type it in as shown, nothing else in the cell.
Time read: 2:19
